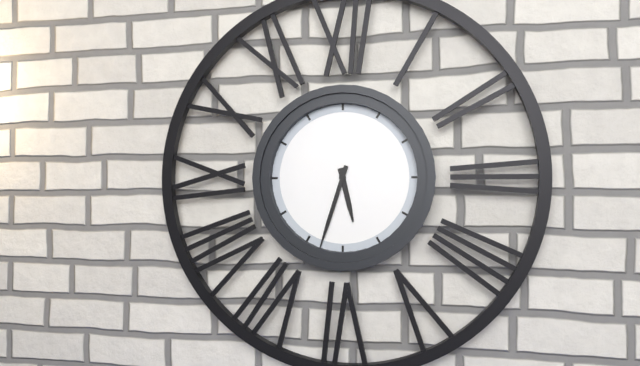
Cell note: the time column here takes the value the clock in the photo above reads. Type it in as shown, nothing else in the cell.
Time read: 5:33
